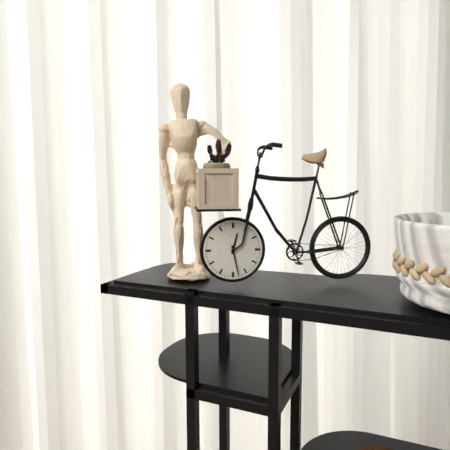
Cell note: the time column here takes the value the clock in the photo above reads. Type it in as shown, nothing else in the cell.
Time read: 12:28
